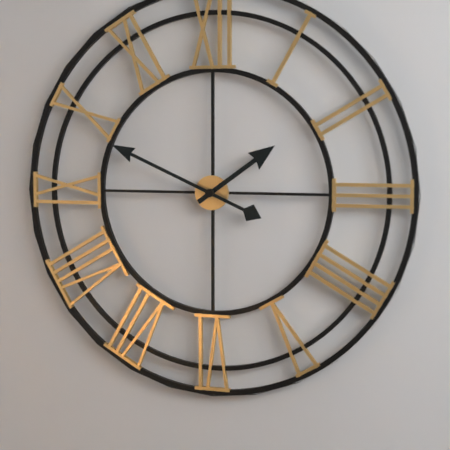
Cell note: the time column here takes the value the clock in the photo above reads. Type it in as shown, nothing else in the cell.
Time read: 1:49
